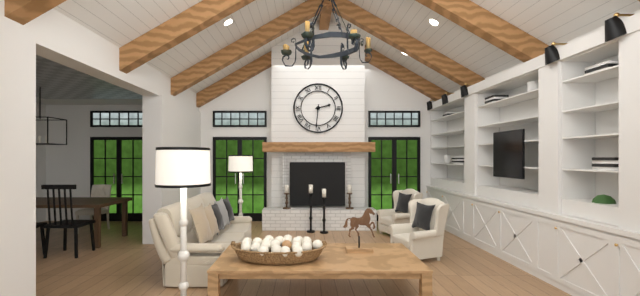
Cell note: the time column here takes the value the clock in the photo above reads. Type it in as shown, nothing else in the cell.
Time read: 2:31
